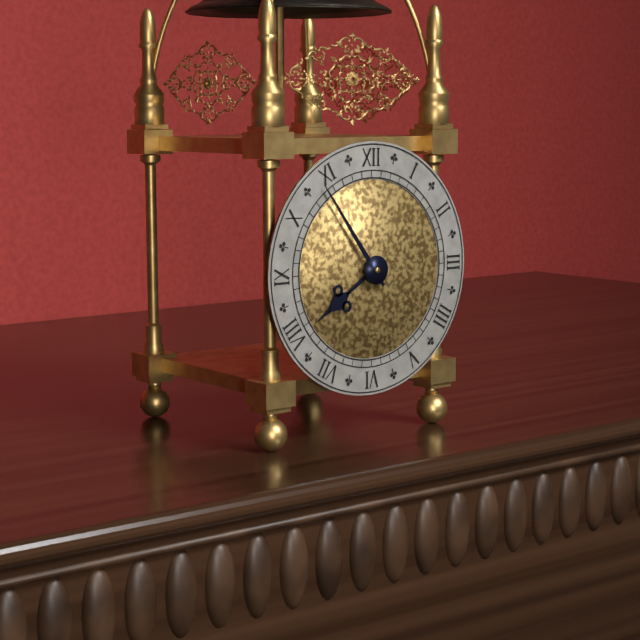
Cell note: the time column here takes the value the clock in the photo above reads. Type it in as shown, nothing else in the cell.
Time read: 7:54
